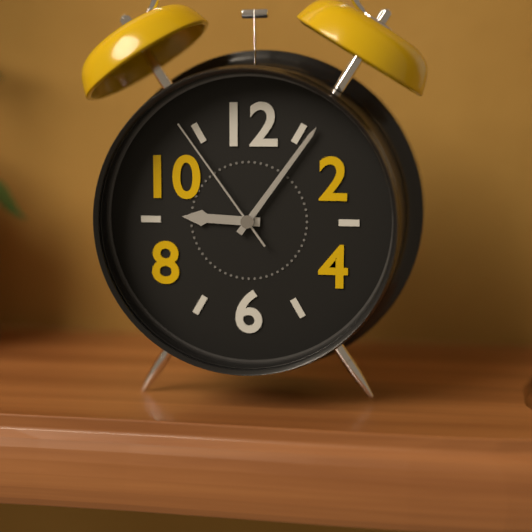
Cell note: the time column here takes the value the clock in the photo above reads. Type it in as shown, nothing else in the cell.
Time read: 9:06:54
